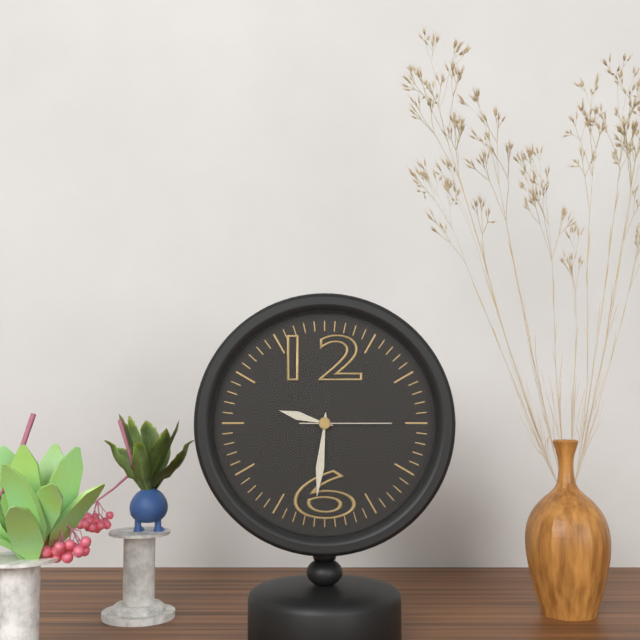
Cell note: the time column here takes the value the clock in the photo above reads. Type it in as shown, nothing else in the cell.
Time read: 9:31:15
